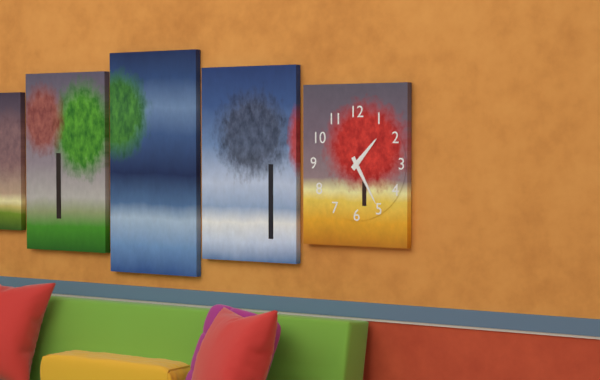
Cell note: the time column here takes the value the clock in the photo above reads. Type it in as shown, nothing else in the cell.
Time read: 1:25
